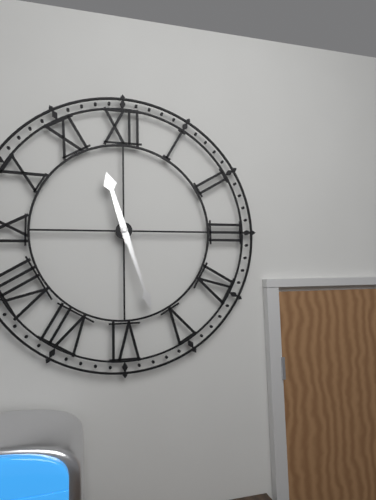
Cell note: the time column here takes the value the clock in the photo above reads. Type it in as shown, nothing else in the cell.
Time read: 11:27
